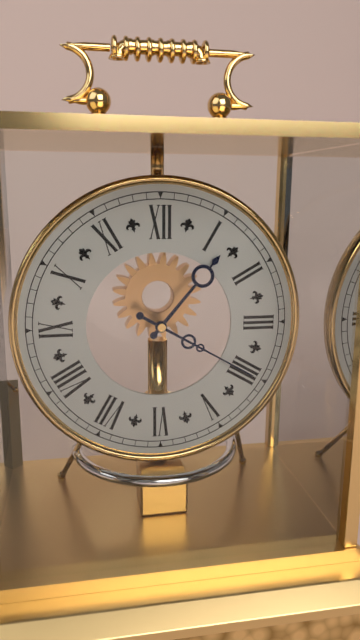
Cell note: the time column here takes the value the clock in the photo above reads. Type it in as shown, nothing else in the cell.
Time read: 1:20
